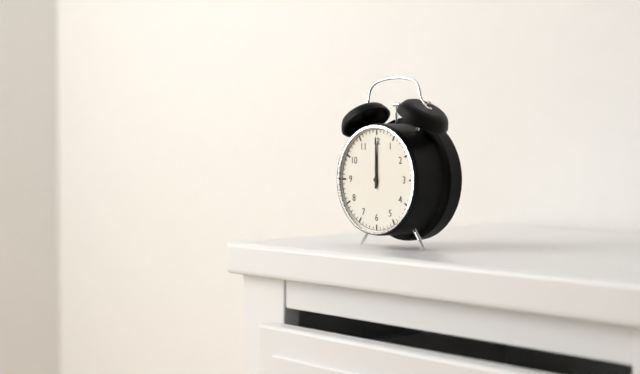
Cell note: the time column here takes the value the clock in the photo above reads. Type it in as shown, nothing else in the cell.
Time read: 12:00
